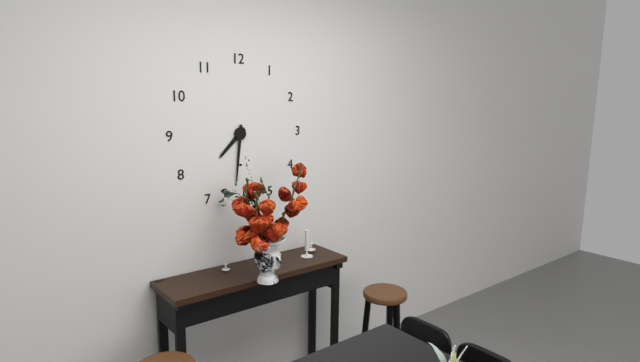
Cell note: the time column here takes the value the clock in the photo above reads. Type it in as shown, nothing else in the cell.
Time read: 7:31
